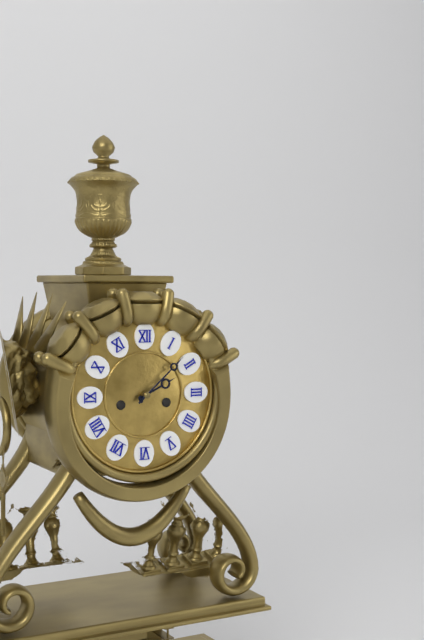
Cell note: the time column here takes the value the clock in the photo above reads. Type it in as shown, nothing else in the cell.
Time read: 2:08
